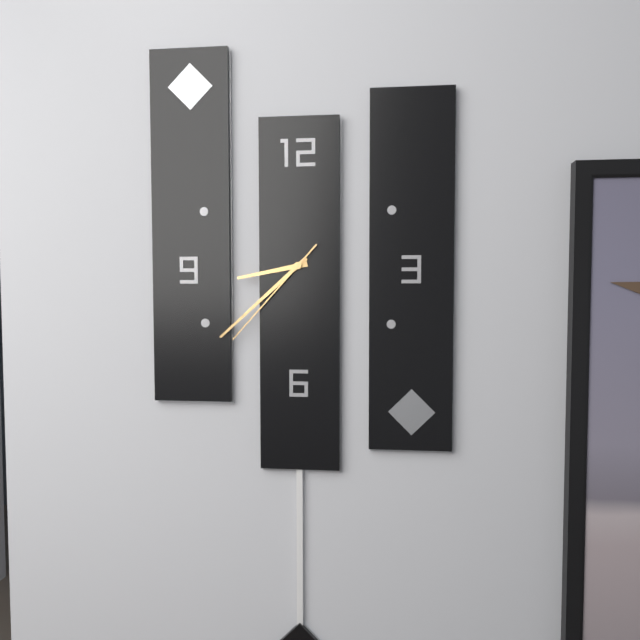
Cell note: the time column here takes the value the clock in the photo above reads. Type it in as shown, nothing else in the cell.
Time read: 8:38:37
